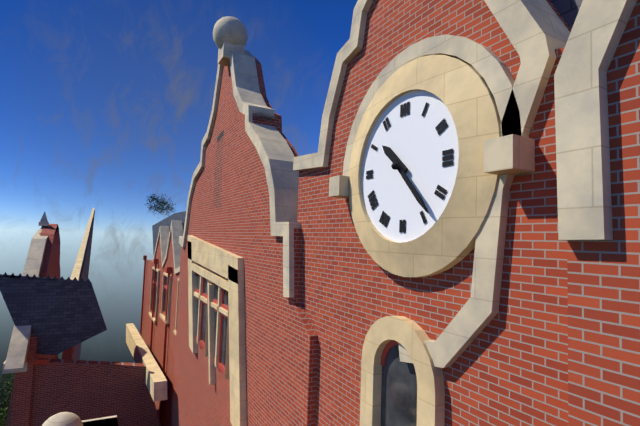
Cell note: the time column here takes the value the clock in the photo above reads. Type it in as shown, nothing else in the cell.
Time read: 10:23
